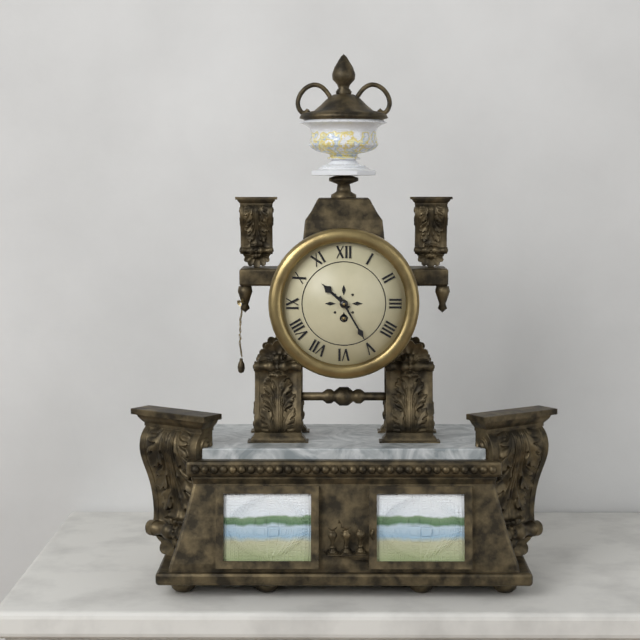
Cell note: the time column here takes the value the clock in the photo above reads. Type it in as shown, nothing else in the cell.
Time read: 10:25
